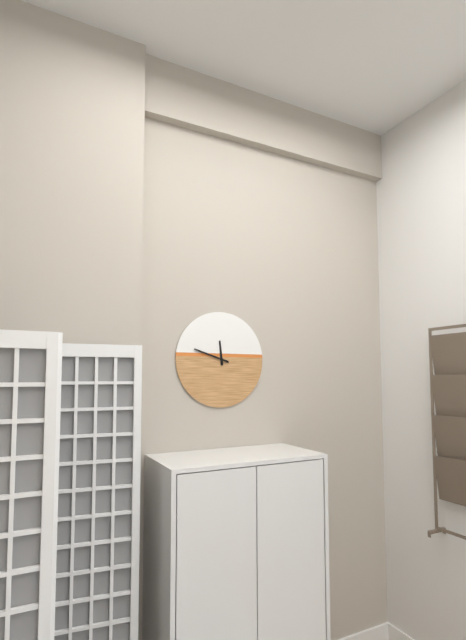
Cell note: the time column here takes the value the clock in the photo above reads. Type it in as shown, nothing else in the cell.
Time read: 11:48
